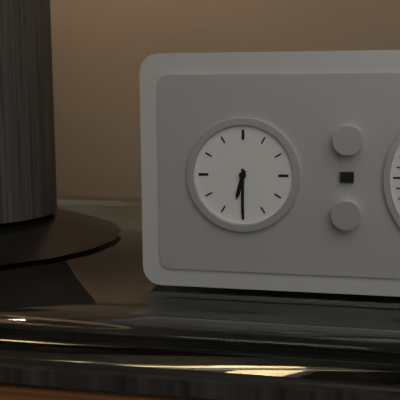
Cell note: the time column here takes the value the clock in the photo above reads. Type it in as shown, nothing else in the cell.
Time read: 6:30
